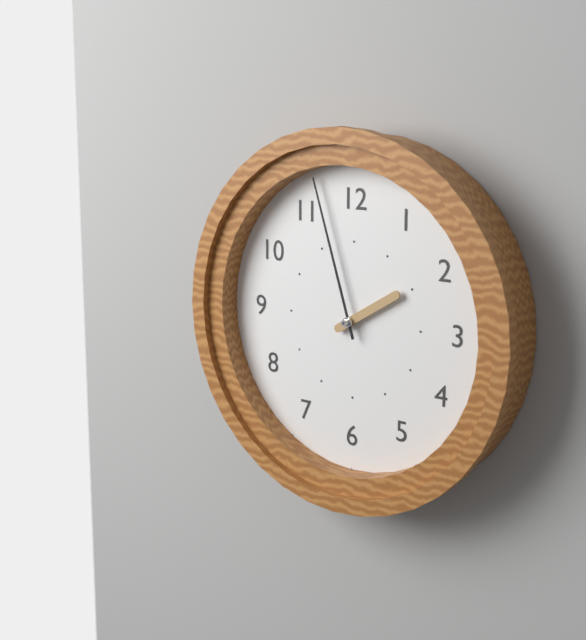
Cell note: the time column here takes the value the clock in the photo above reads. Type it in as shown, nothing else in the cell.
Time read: 1:57
